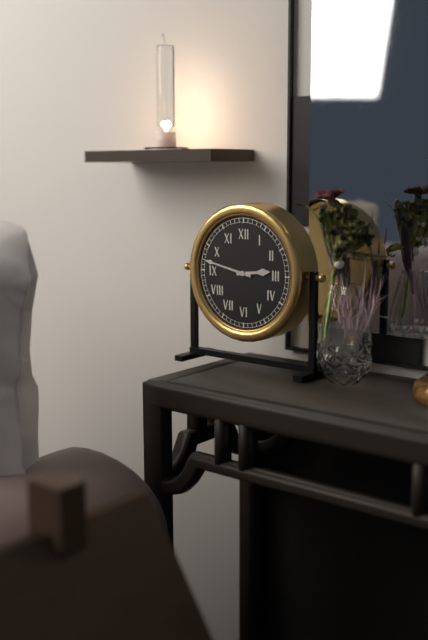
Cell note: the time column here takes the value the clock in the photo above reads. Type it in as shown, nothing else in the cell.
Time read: 2:47
